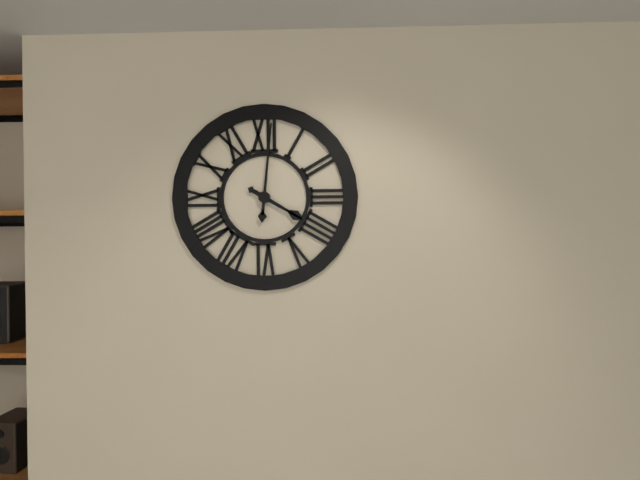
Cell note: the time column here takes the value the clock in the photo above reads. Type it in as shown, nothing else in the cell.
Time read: 4:01
